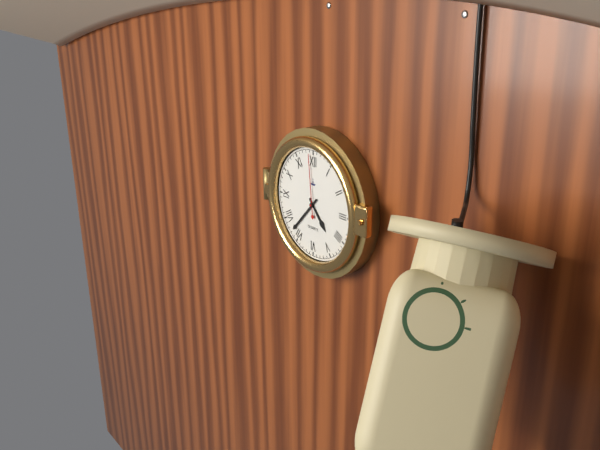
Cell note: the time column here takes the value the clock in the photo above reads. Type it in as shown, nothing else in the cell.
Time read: 4:37:59
